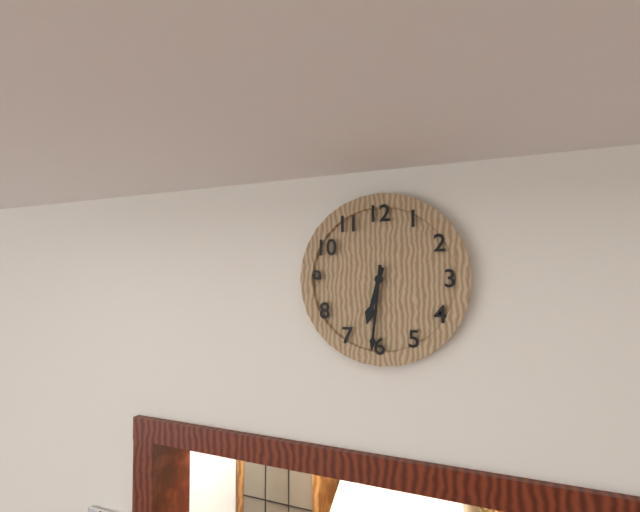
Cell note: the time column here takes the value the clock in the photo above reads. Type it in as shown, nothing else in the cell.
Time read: 6:31
